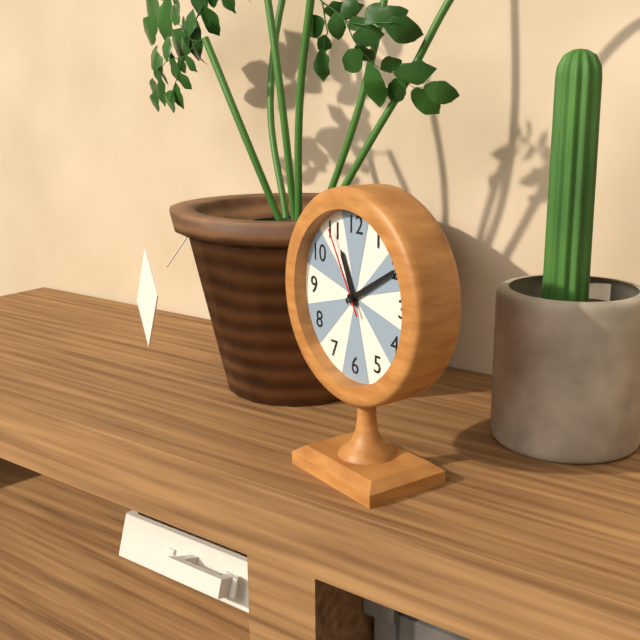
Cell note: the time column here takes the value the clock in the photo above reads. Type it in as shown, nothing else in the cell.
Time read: 11:10:55
